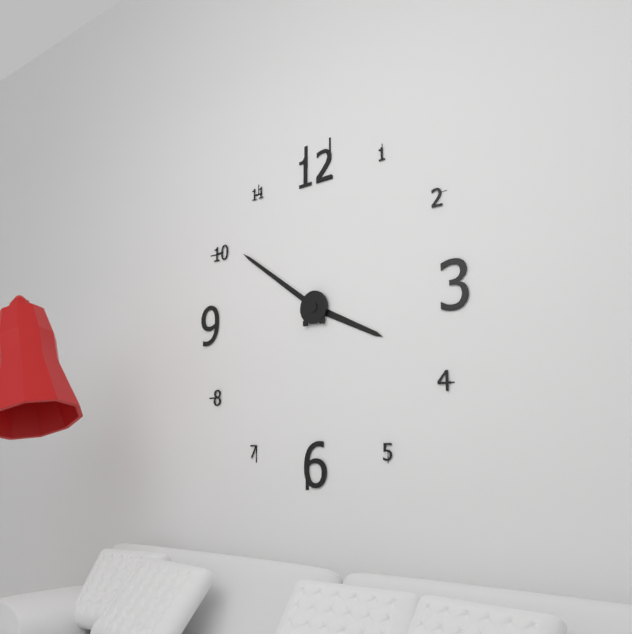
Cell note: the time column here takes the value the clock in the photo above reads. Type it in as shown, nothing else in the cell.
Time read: 3:51
